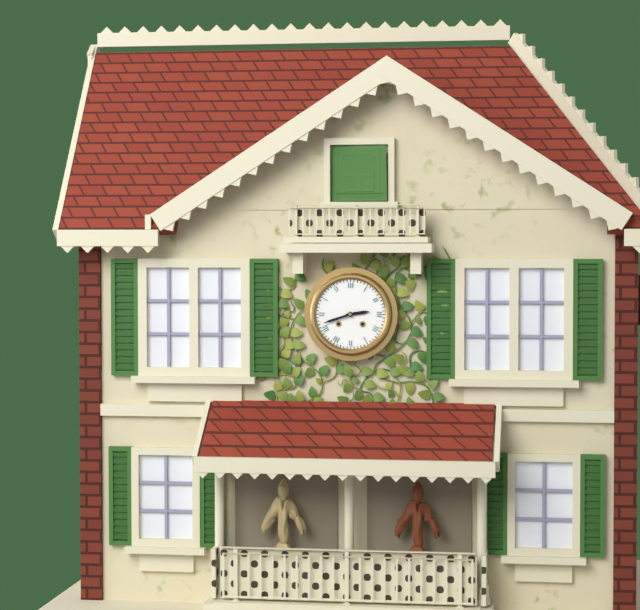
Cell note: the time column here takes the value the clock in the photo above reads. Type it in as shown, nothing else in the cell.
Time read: 2:42
